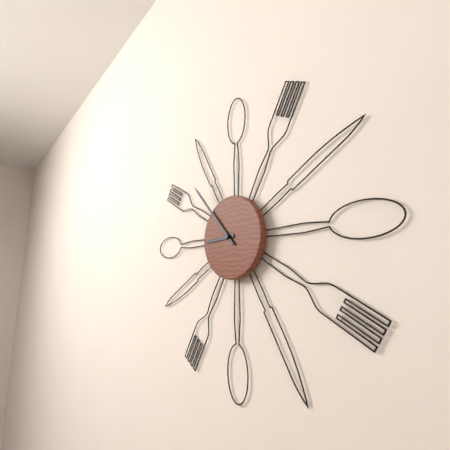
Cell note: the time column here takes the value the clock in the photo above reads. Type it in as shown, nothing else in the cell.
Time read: 8:53
